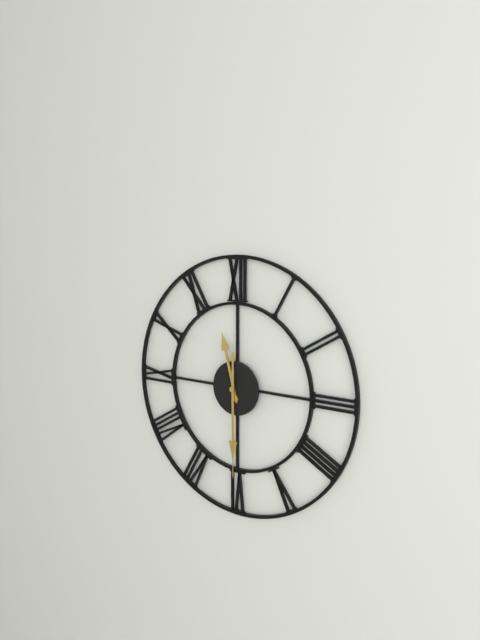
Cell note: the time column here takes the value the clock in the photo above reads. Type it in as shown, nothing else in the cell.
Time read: 11:30
